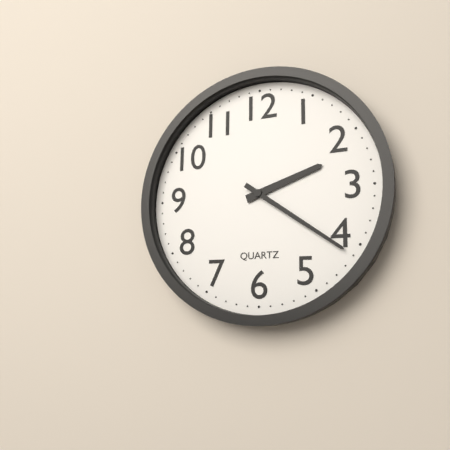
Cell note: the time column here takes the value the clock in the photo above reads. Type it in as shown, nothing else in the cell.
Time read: 2:21
